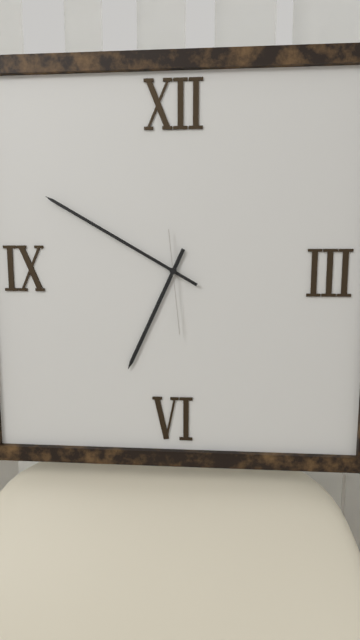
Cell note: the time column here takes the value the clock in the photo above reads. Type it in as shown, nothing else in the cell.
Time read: 6:50:29
